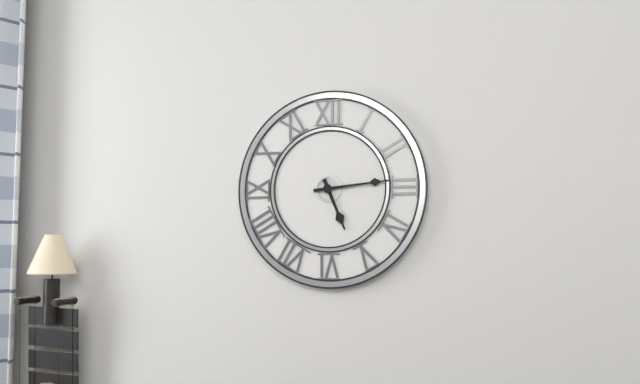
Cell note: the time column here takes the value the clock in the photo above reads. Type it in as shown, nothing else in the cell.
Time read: 5:14
